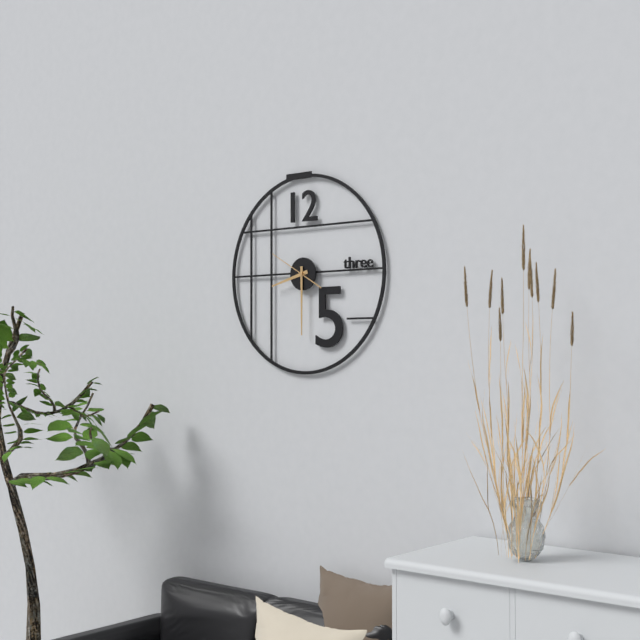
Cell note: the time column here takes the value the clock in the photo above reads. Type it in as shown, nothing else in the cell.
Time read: 8:30
